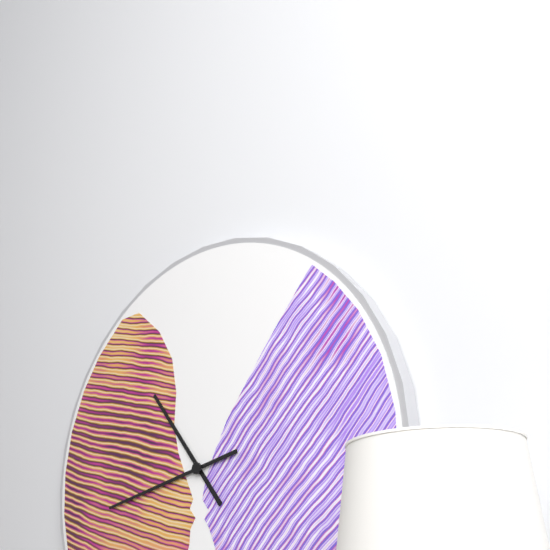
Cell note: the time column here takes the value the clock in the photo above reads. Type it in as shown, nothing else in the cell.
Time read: 10:43
